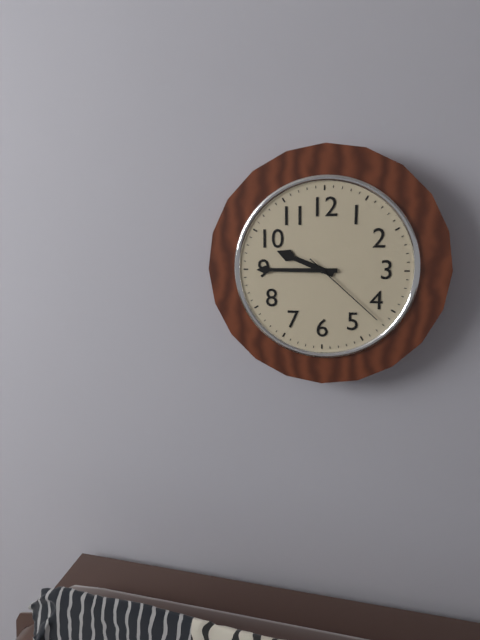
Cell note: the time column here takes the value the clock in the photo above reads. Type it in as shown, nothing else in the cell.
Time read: 9:45:22
